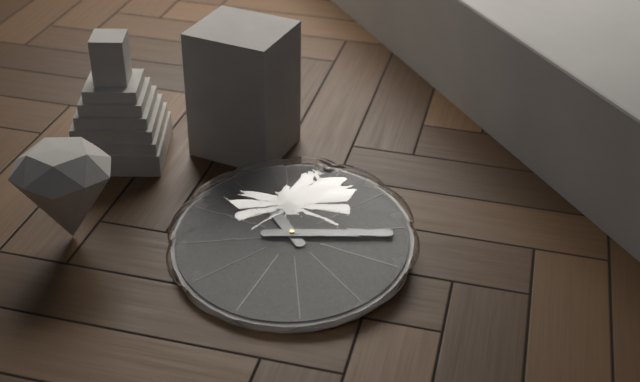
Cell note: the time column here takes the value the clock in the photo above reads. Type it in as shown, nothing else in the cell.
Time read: 10:11
